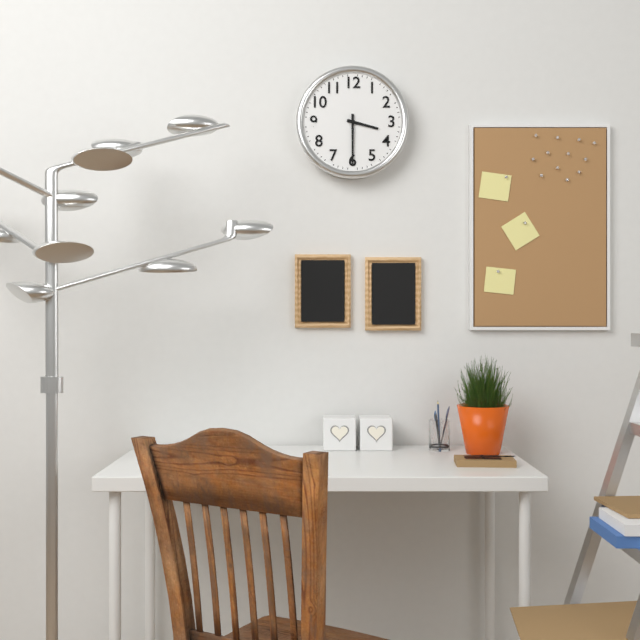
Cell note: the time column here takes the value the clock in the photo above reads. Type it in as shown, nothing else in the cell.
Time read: 3:30
